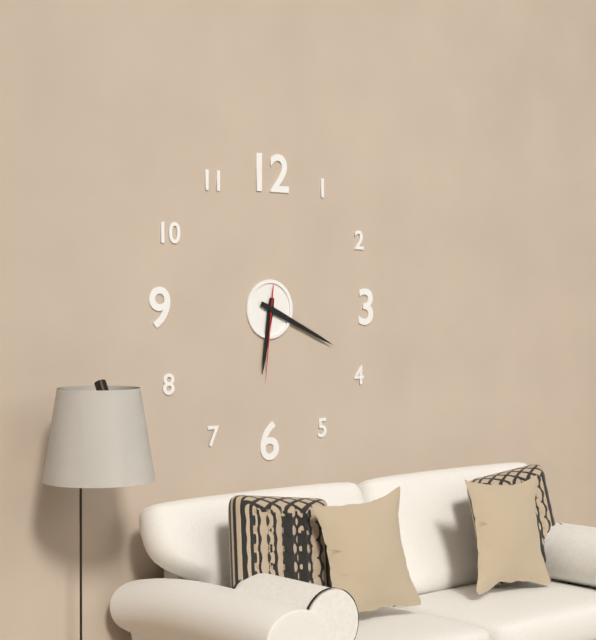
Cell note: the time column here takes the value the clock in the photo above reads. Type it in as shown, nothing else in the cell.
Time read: 6:19:31
